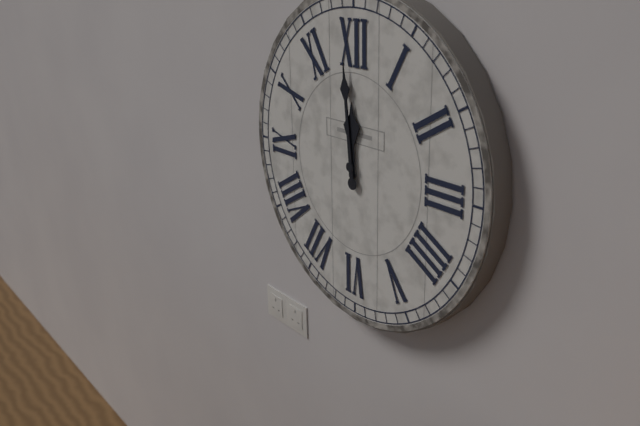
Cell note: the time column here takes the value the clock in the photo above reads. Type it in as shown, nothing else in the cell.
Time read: 11:59
